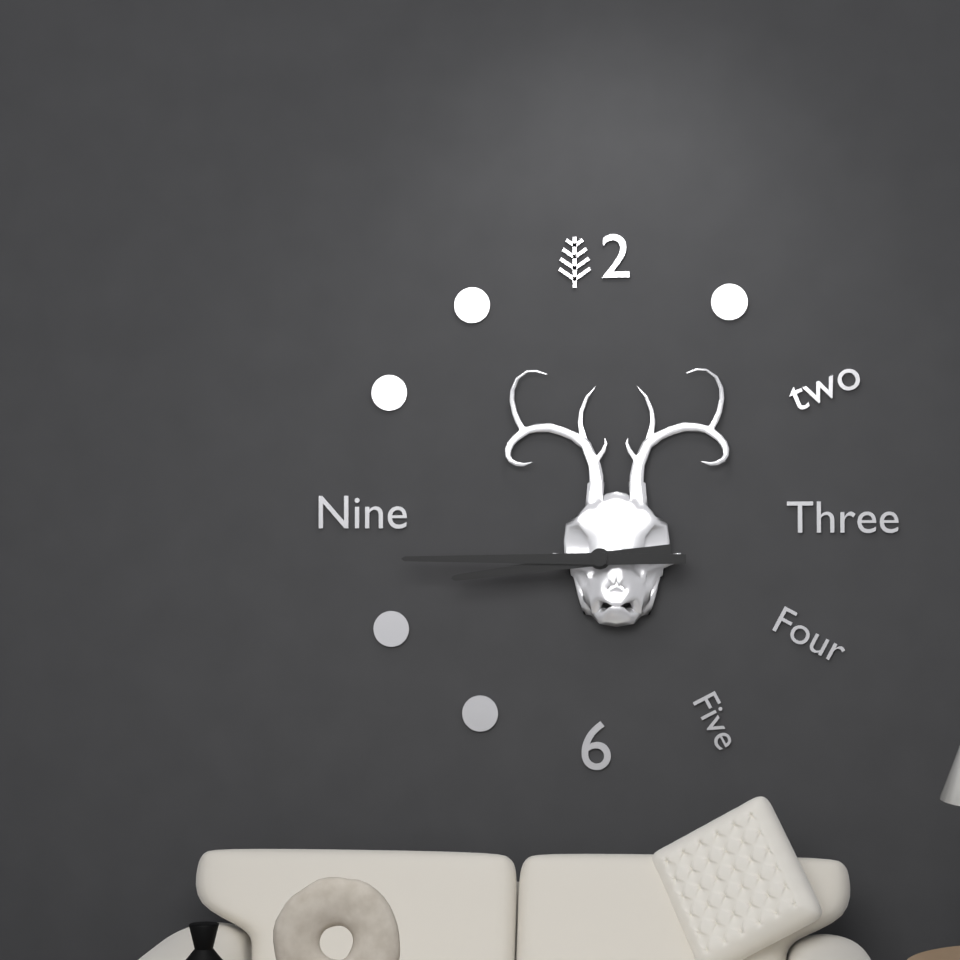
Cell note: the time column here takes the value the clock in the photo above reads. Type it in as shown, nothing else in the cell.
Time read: 8:45
